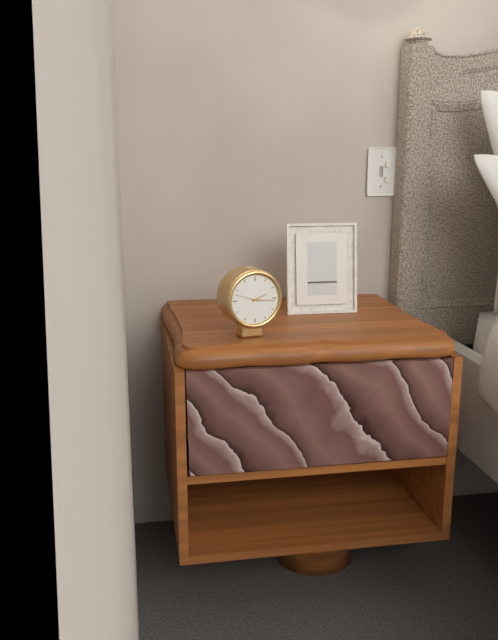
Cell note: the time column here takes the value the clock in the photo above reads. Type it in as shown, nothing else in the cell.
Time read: 2:16
